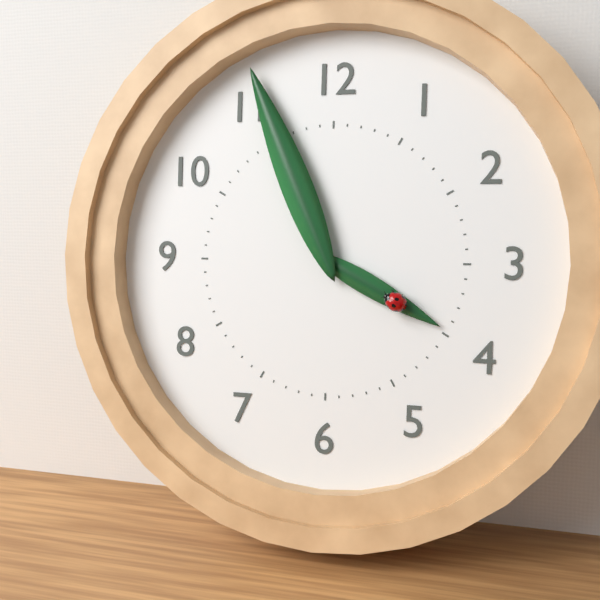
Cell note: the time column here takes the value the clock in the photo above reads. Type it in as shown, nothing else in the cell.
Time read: 3:56
